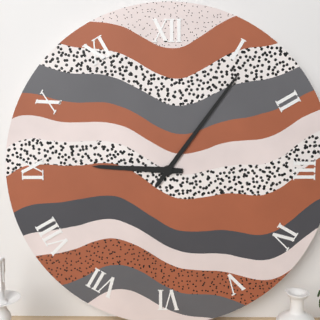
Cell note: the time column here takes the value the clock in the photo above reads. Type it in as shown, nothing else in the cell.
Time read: 9:06
